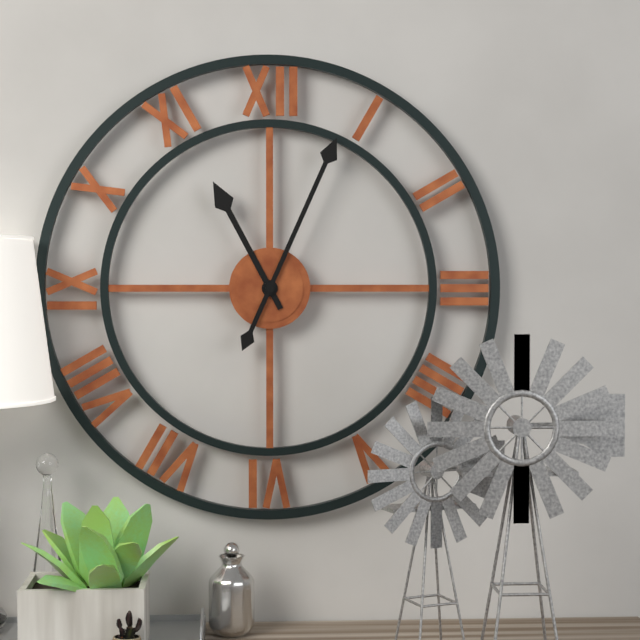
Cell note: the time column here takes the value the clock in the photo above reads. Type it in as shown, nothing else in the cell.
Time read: 11:04
